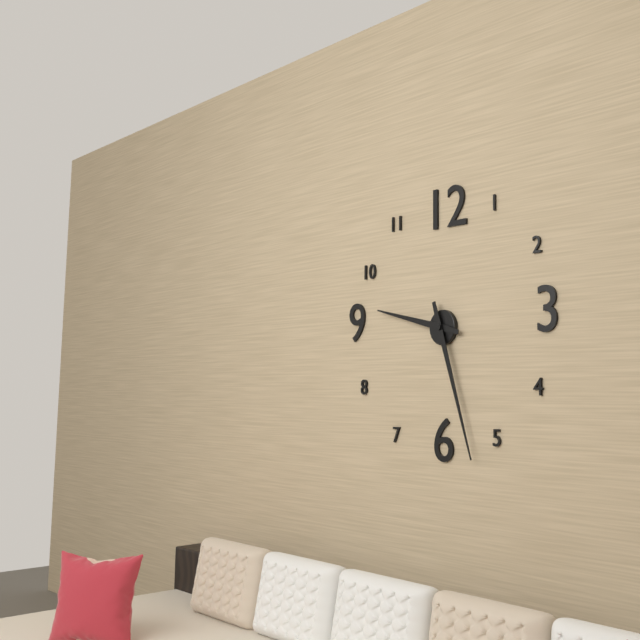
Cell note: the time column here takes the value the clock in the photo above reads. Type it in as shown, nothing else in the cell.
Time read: 9:27
